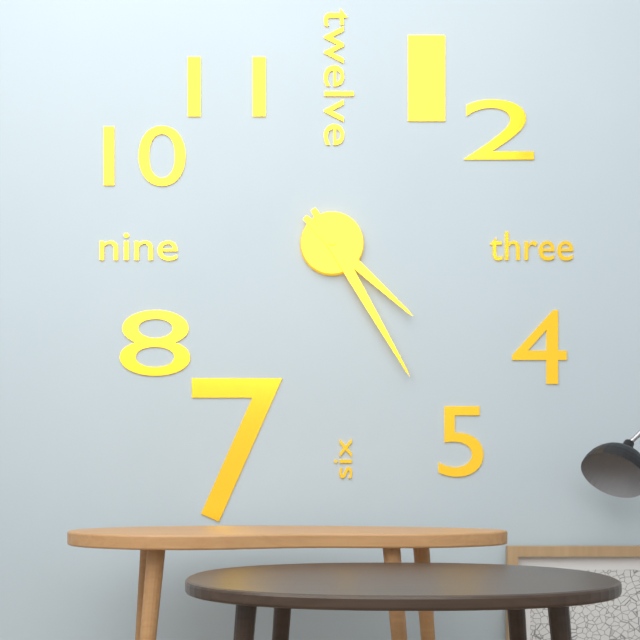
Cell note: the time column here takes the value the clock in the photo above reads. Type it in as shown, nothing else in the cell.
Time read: 4:25
